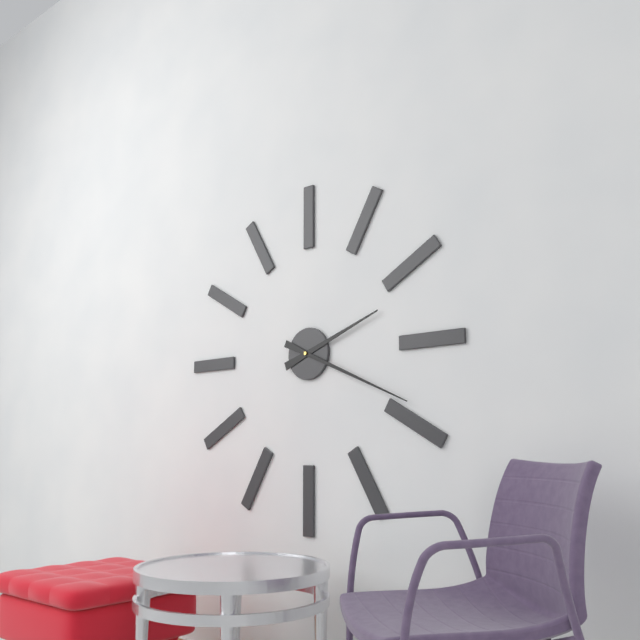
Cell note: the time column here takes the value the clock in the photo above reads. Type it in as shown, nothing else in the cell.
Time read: 2:19
